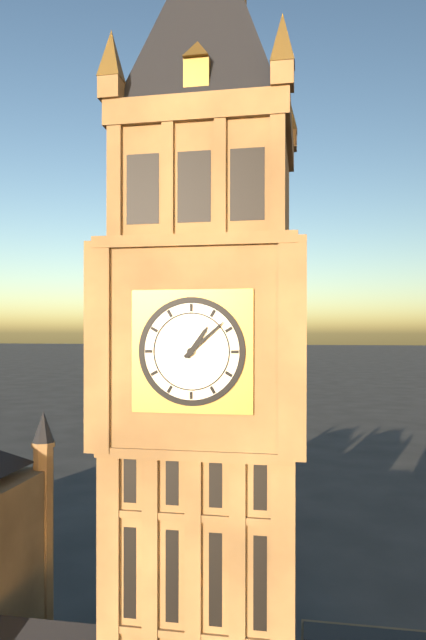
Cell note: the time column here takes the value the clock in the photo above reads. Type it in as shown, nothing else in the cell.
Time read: 1:08
